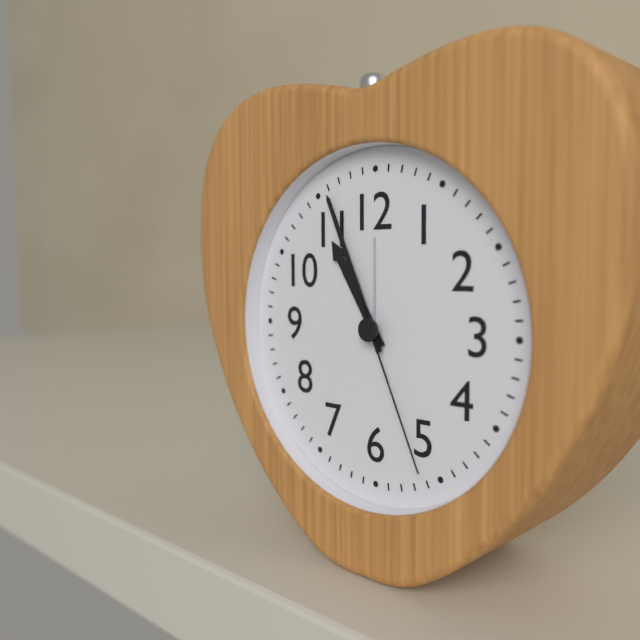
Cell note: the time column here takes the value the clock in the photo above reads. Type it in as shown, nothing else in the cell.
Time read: 10:56:26
